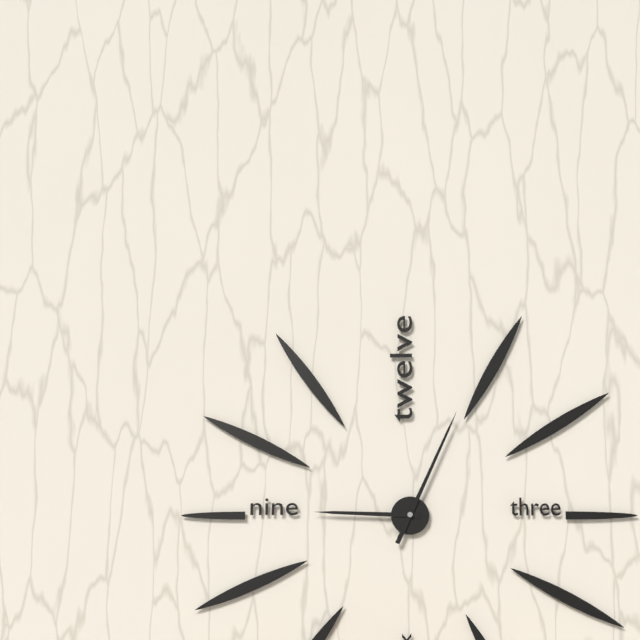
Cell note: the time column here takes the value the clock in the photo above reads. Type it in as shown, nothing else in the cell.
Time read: 9:04
